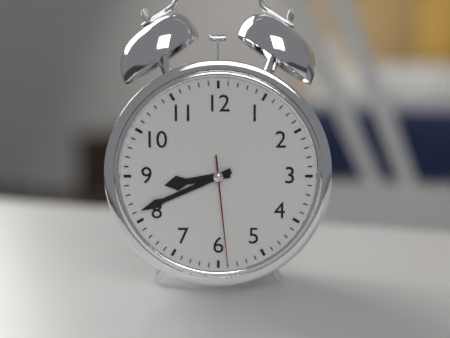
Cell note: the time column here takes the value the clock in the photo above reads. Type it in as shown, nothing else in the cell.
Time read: 8:41:29
